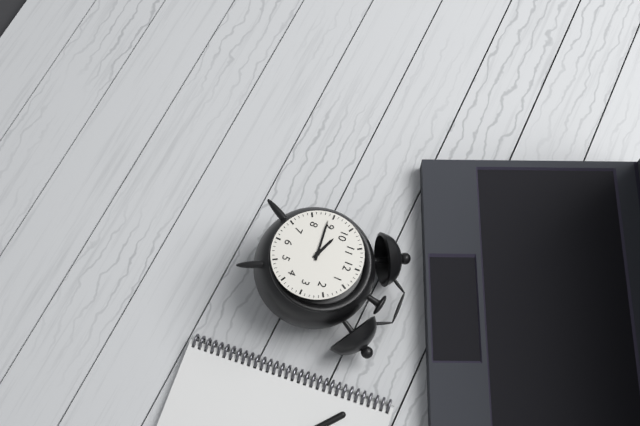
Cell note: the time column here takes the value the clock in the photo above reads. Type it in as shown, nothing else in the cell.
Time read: 9:44
